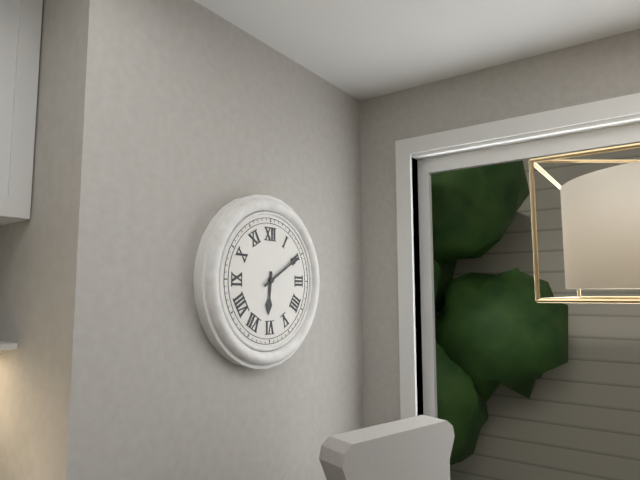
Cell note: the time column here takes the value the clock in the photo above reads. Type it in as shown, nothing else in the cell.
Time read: 6:10
